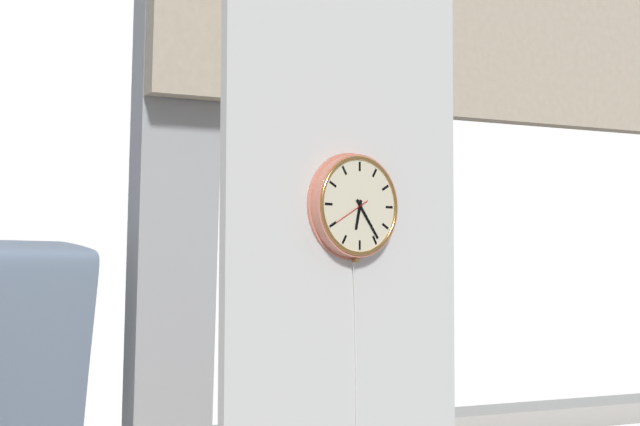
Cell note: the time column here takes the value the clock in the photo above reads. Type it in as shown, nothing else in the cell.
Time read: 6:24
